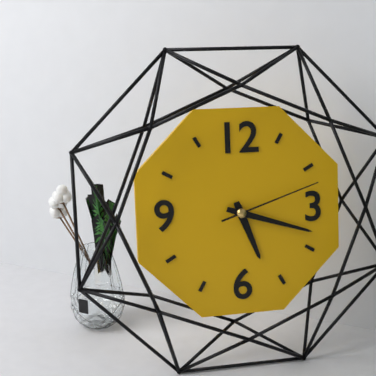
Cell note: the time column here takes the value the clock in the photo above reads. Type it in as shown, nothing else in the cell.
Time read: 5:18:12
